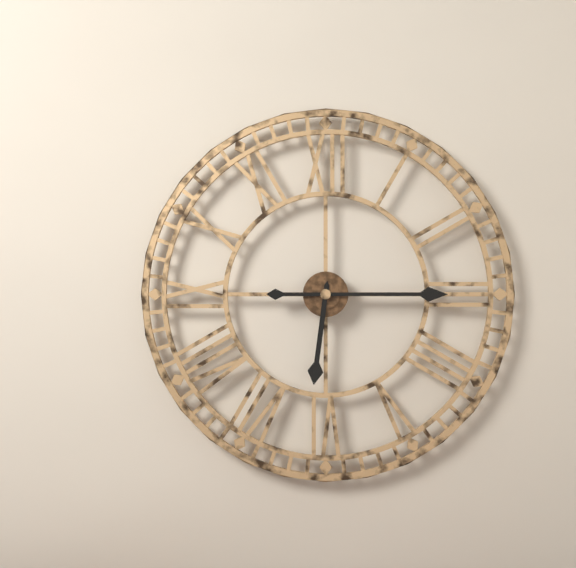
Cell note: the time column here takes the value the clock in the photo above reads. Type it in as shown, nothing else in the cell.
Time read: 6:15
